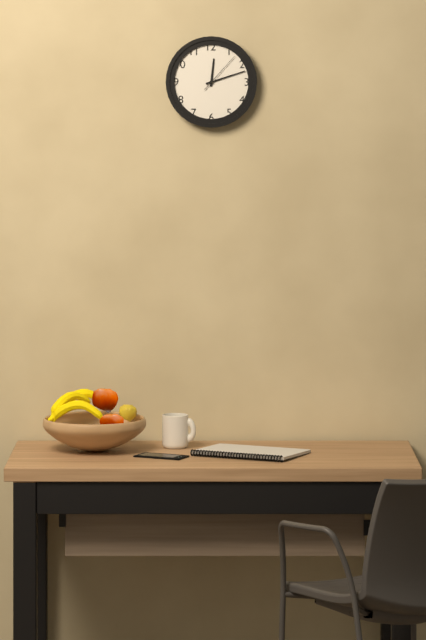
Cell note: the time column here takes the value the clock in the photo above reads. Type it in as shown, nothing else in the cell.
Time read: 12:12
